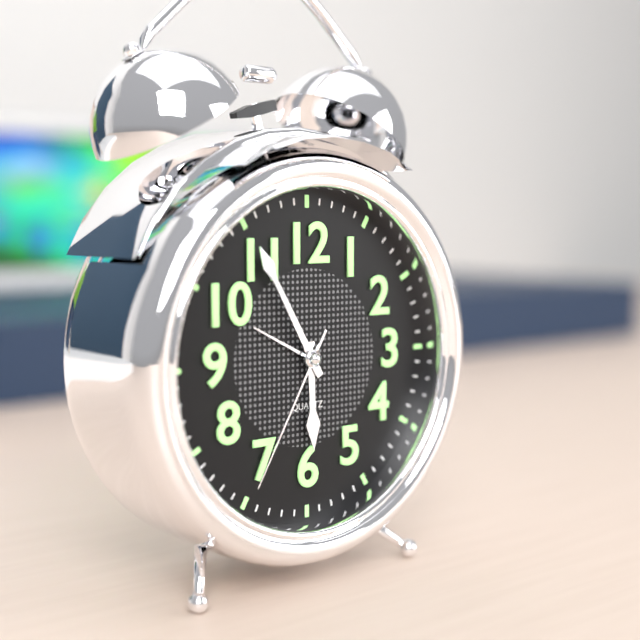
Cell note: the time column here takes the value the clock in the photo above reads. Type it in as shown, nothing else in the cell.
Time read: 5:55:35
